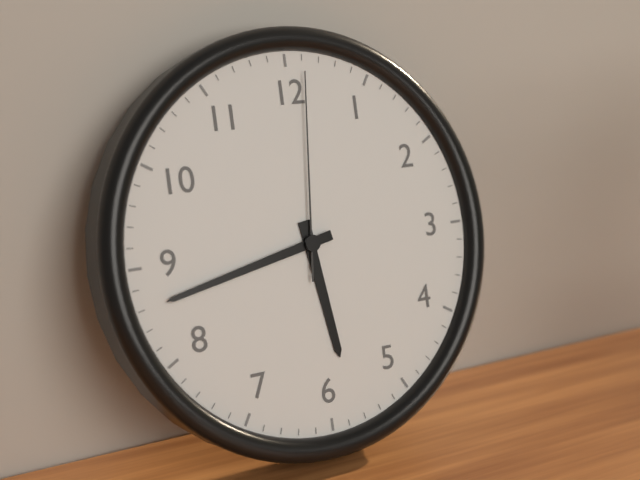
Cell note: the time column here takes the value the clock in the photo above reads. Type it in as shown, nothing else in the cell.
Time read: 5:43:01
